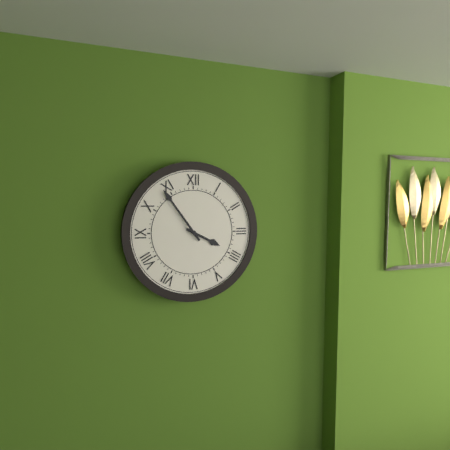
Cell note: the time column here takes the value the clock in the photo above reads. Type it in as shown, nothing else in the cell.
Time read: 3:54
